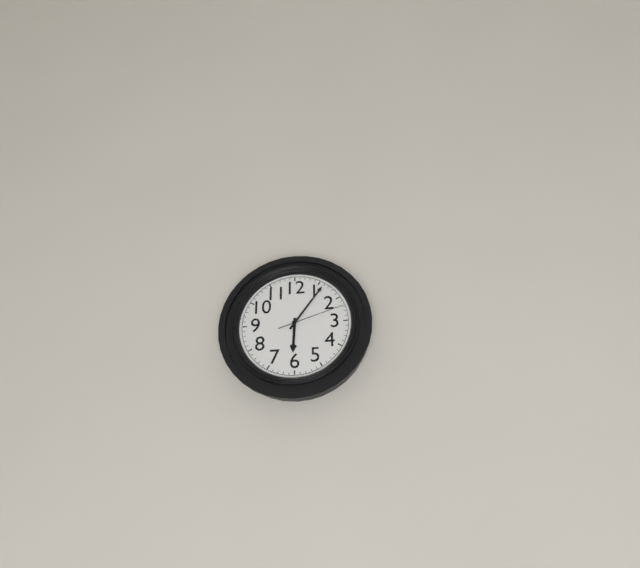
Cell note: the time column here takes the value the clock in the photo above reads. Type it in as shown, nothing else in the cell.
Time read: 6:06:12
